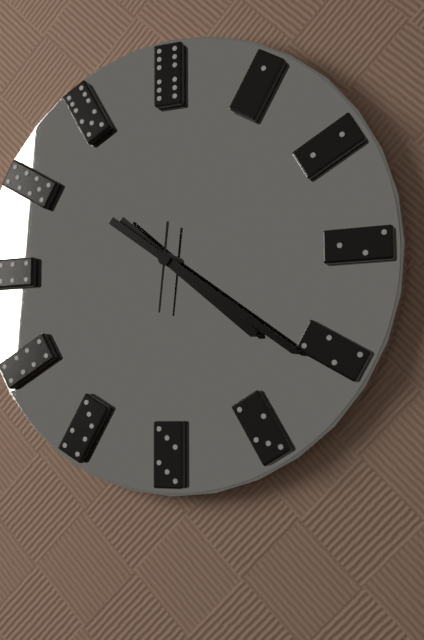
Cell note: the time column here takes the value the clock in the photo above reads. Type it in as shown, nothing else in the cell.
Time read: 4:21:31
